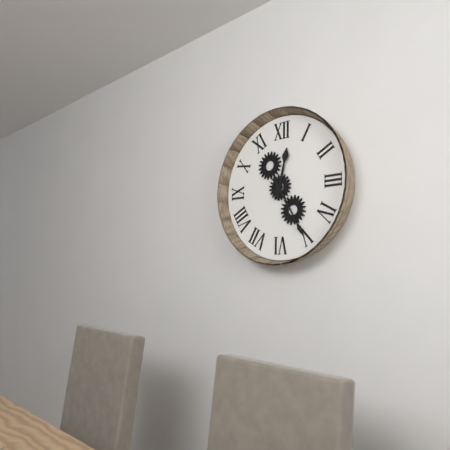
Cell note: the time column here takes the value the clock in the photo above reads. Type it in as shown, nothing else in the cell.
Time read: 12:25
